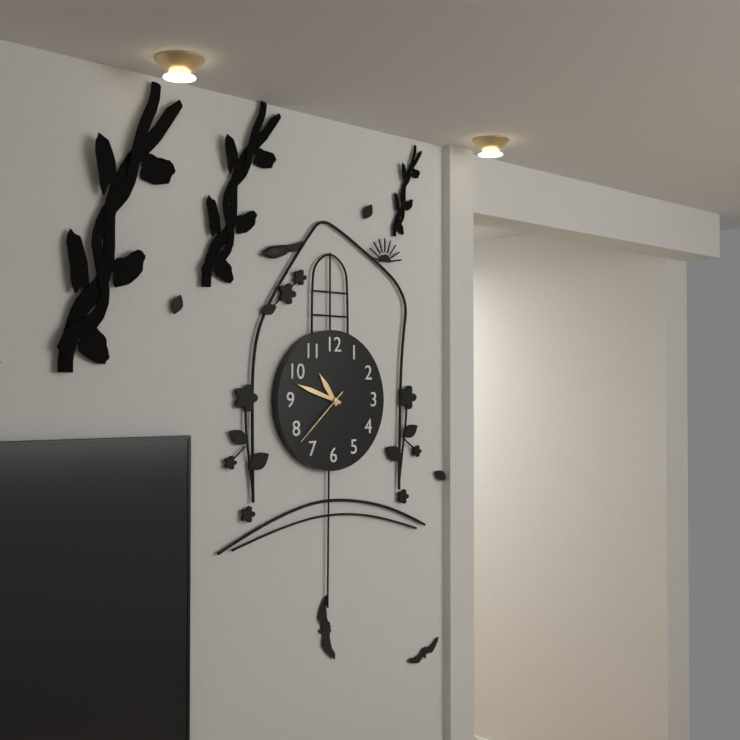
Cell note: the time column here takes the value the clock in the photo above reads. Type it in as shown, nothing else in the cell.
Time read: 10:48:38
